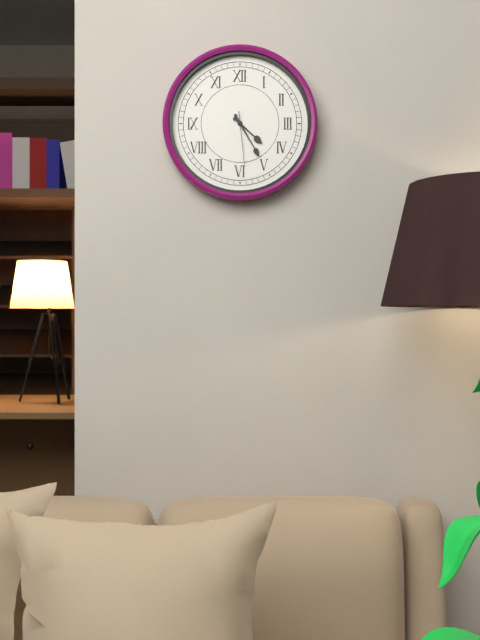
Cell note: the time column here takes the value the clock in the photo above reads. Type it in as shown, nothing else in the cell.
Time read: 4:25:29
